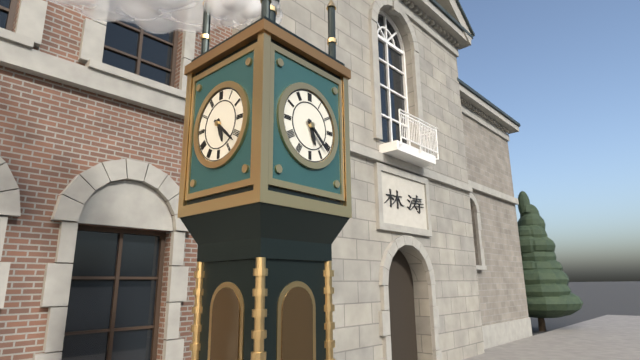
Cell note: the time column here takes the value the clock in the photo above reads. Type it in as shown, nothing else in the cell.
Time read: 5:22
